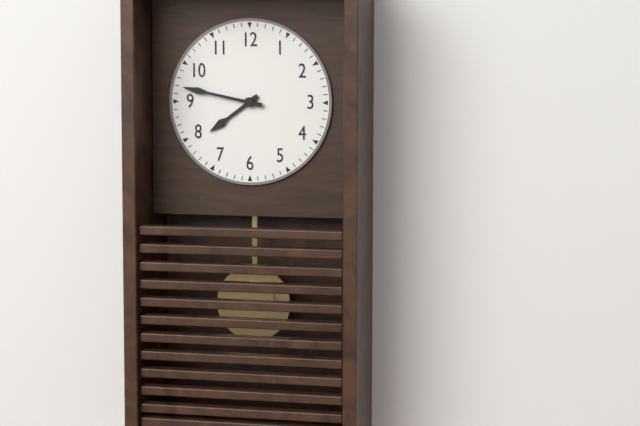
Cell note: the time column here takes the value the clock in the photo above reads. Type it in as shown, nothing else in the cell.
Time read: 7:47
